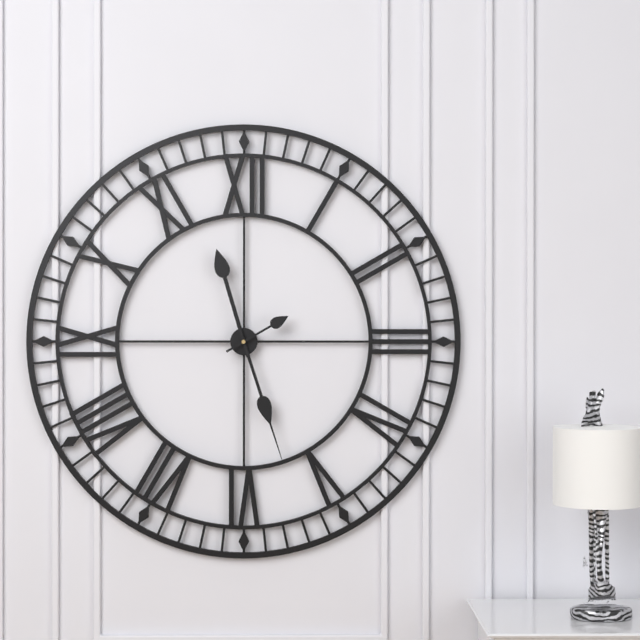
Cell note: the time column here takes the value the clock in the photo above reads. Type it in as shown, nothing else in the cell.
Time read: 11:27:10
